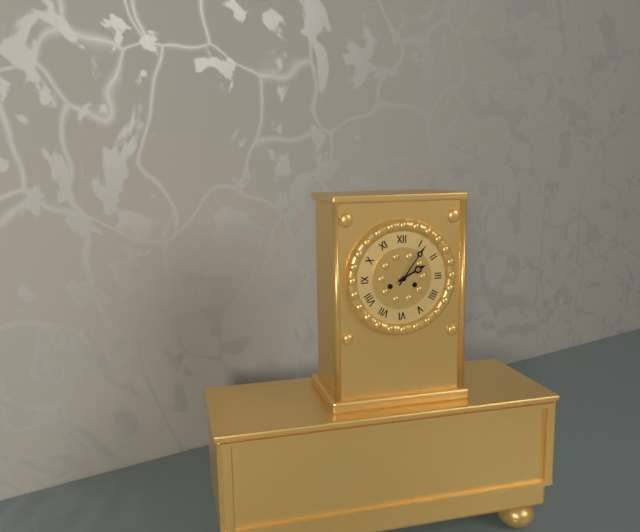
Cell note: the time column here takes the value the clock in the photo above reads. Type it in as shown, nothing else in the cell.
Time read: 2:06
